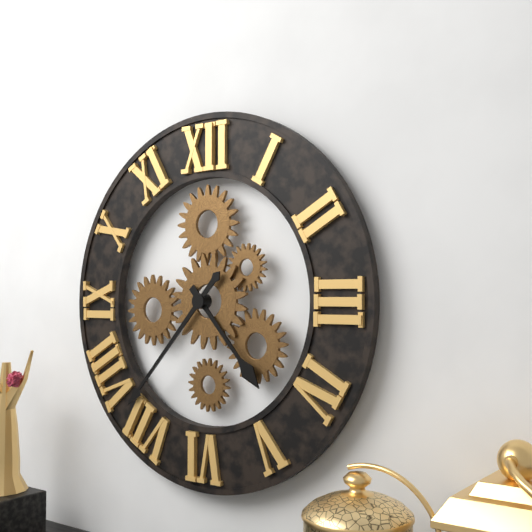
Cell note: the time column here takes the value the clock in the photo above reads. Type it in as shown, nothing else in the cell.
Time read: 4:37
